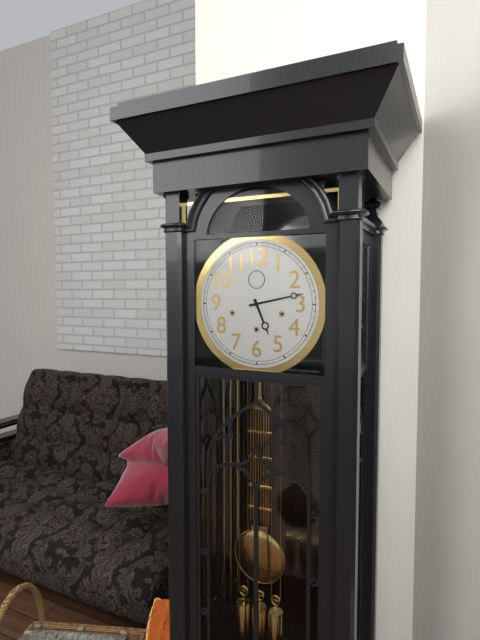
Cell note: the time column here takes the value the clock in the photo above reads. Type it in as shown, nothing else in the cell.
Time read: 5:13
